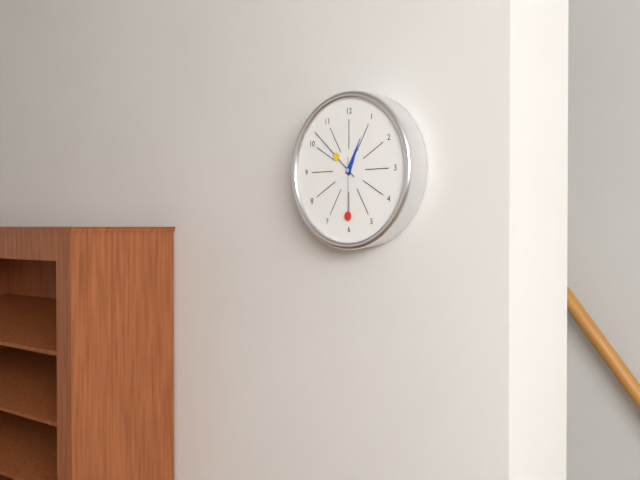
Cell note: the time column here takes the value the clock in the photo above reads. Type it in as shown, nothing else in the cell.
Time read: 12:52:30
